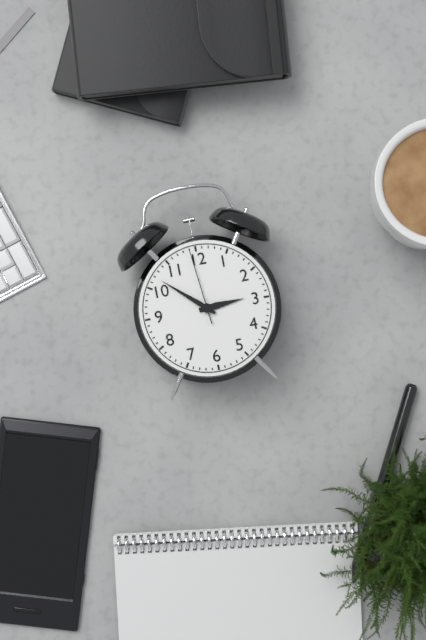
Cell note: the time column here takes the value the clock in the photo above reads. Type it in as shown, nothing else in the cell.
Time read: 2:52:59
